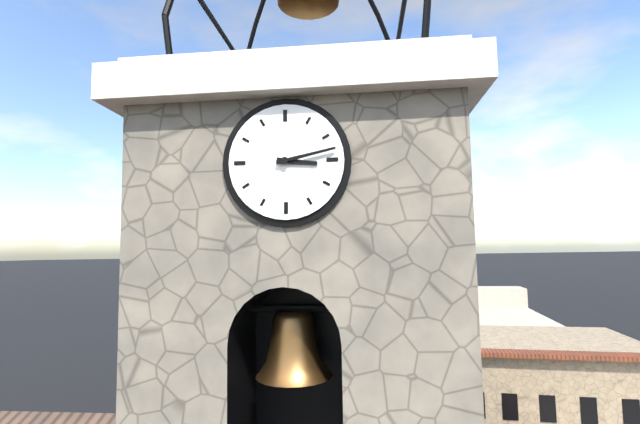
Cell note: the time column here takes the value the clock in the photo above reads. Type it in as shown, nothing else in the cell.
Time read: 3:13
